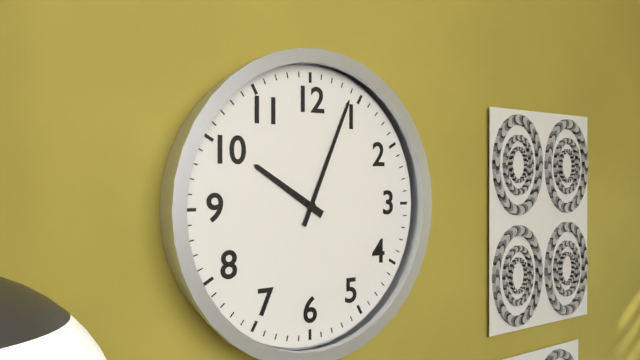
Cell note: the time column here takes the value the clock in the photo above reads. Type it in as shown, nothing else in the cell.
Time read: 10:04
